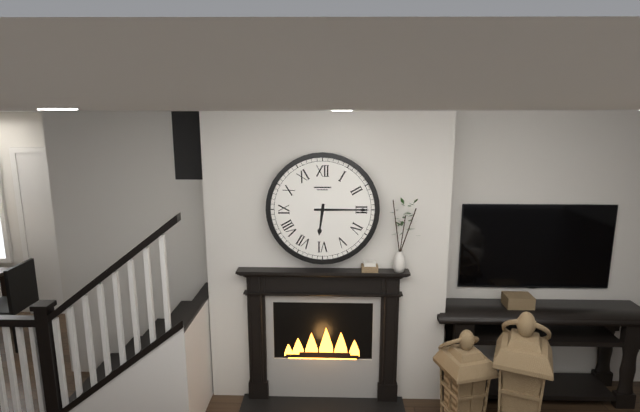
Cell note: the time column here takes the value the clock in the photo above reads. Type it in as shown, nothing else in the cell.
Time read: 6:15
